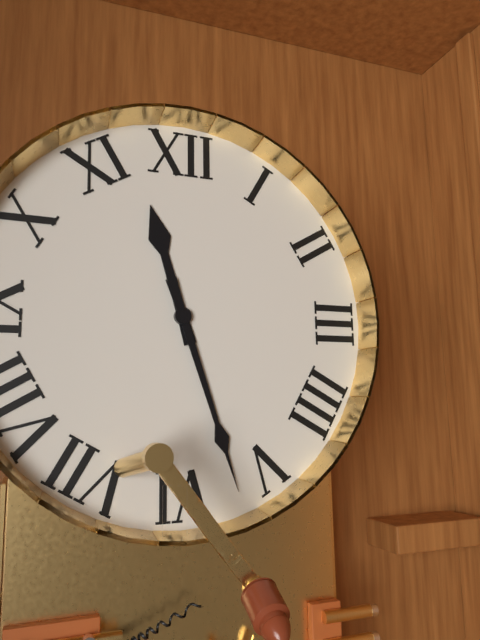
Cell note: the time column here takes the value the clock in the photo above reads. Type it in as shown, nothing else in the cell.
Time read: 11:27
